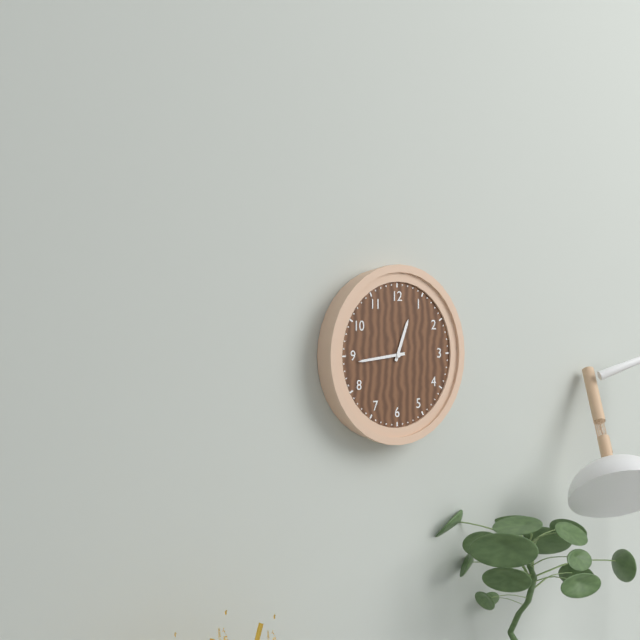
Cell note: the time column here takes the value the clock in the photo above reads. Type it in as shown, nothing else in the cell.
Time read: 12:44
